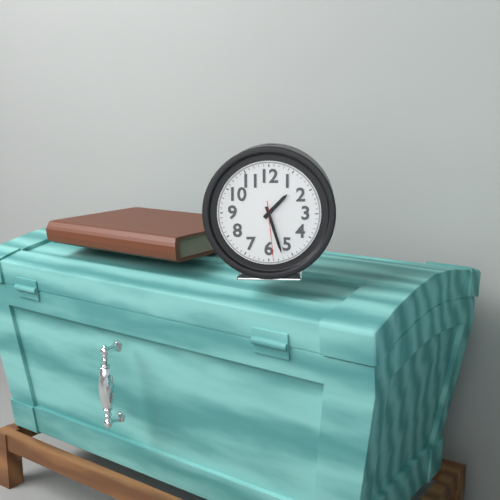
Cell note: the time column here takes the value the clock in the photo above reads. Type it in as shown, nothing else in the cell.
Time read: 1:27:29
